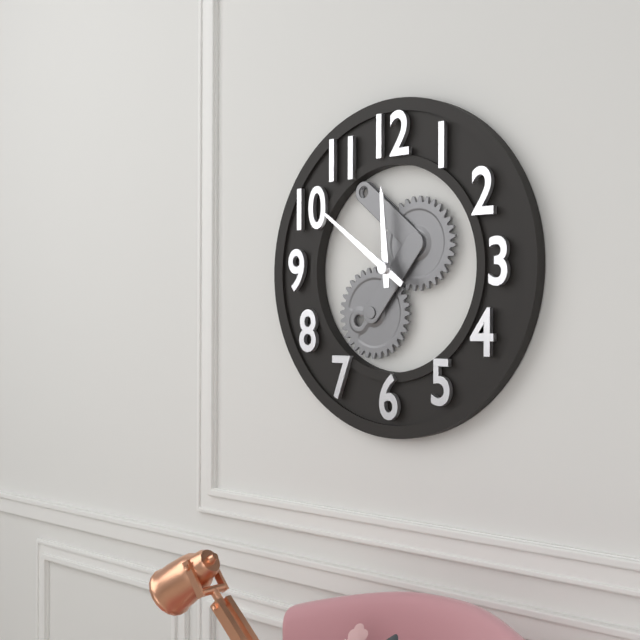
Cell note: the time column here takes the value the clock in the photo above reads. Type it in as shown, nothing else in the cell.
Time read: 11:51
